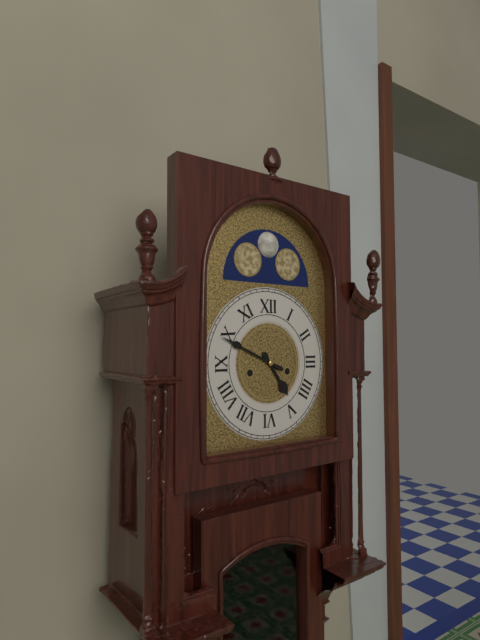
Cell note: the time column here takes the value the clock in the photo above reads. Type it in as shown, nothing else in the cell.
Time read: 4:49
